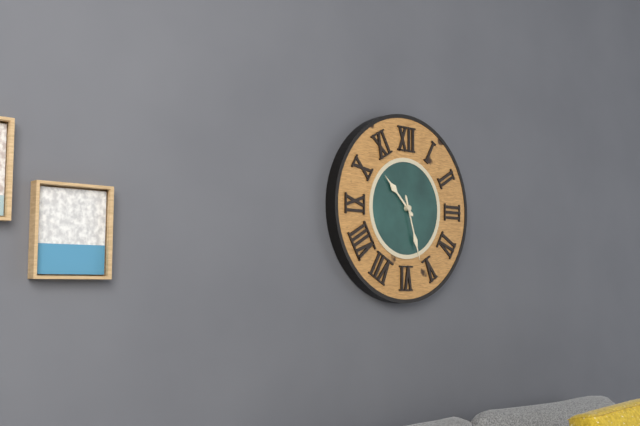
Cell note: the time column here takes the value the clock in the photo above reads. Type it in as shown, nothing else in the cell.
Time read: 10:27
